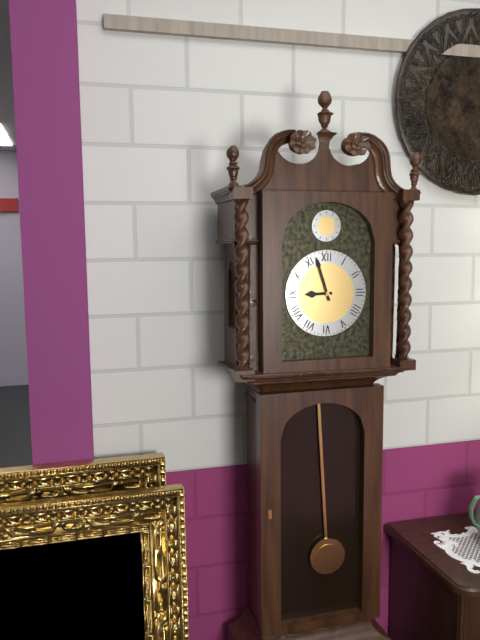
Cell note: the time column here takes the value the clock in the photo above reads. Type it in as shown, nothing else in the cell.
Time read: 8:57
